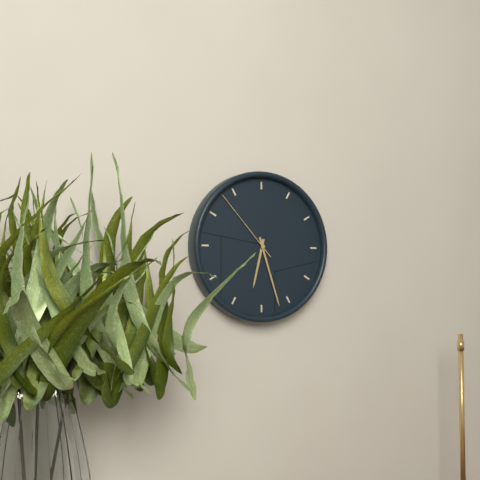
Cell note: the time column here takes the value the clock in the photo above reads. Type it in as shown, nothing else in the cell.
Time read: 6:27:53
